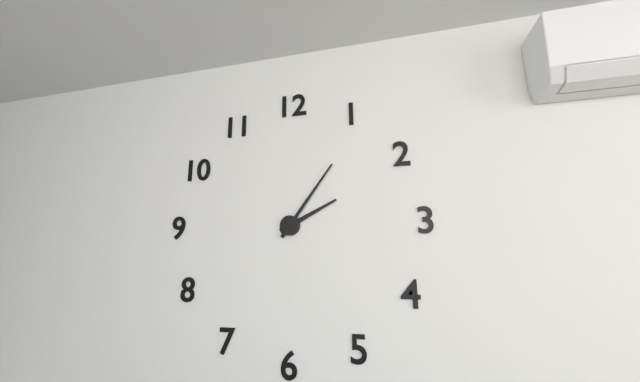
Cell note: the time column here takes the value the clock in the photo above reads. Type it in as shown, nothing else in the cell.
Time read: 2:06
